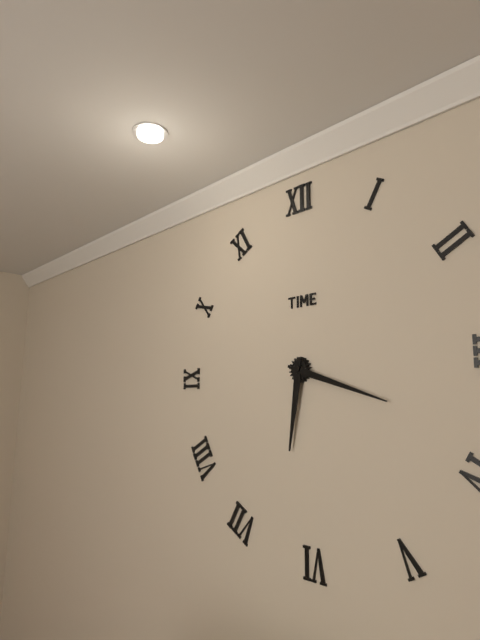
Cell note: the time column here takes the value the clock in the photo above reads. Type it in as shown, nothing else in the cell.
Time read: 6:18
